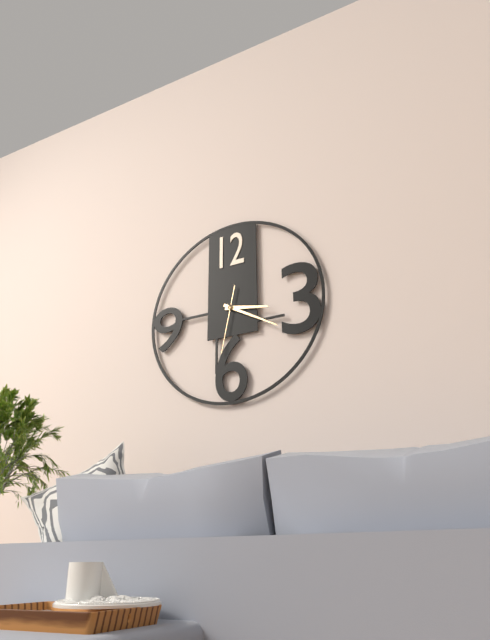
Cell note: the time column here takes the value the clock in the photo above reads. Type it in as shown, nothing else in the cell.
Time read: 3:20:32
